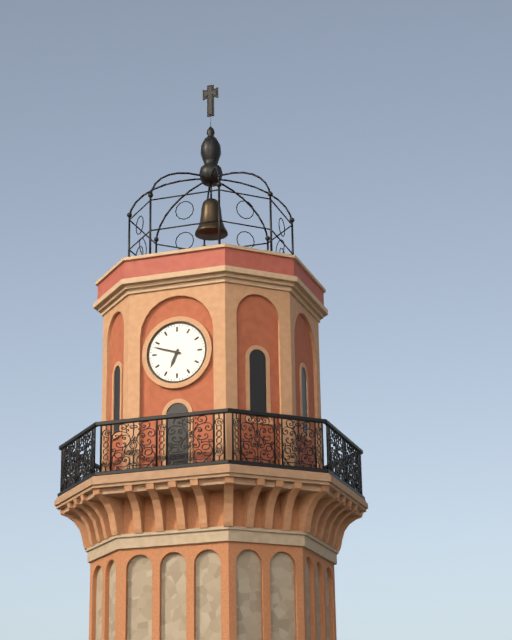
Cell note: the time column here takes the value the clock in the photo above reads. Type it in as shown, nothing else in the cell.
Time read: 6:48
